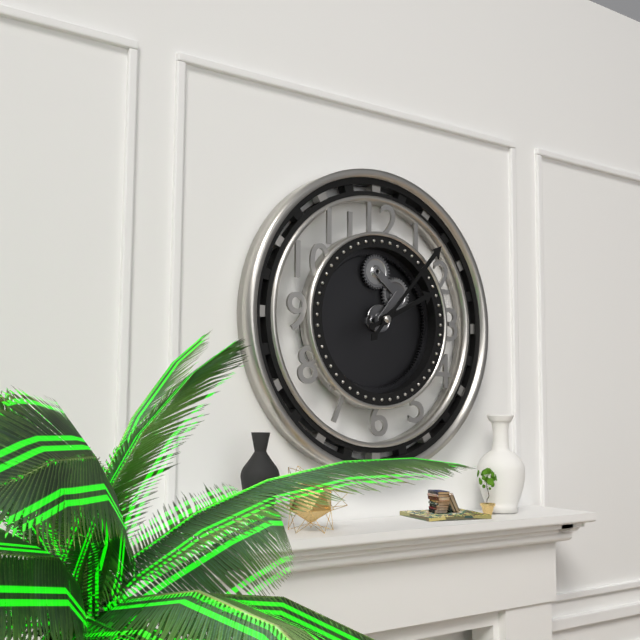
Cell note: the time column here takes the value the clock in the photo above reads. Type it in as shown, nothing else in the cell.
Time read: 2:07
